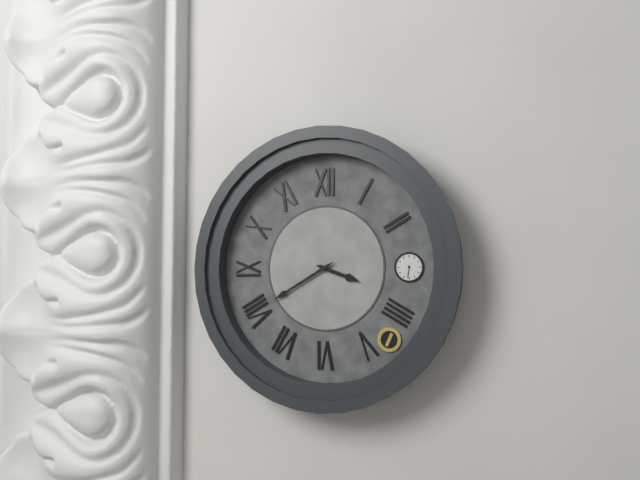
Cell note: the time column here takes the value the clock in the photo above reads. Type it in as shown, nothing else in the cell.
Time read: 3:40
